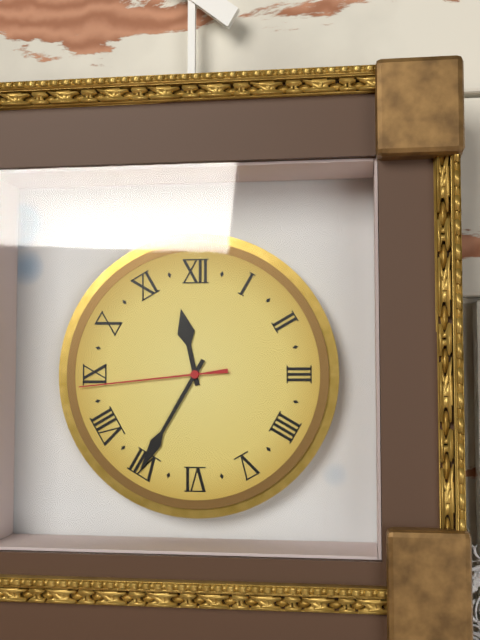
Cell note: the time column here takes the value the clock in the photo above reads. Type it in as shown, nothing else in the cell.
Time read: 11:35:44
